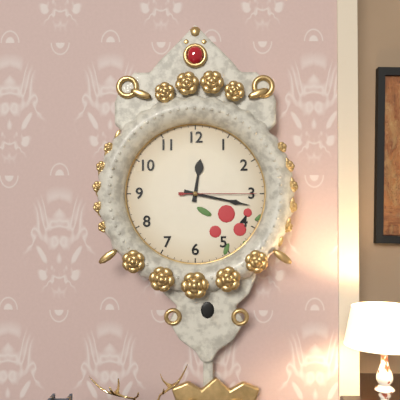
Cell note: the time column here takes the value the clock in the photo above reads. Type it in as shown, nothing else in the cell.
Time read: 12:17:15
